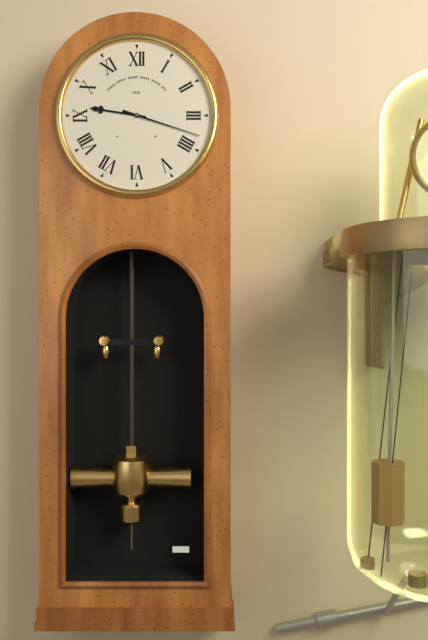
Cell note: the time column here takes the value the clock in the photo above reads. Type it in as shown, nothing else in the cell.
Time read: 9:18
